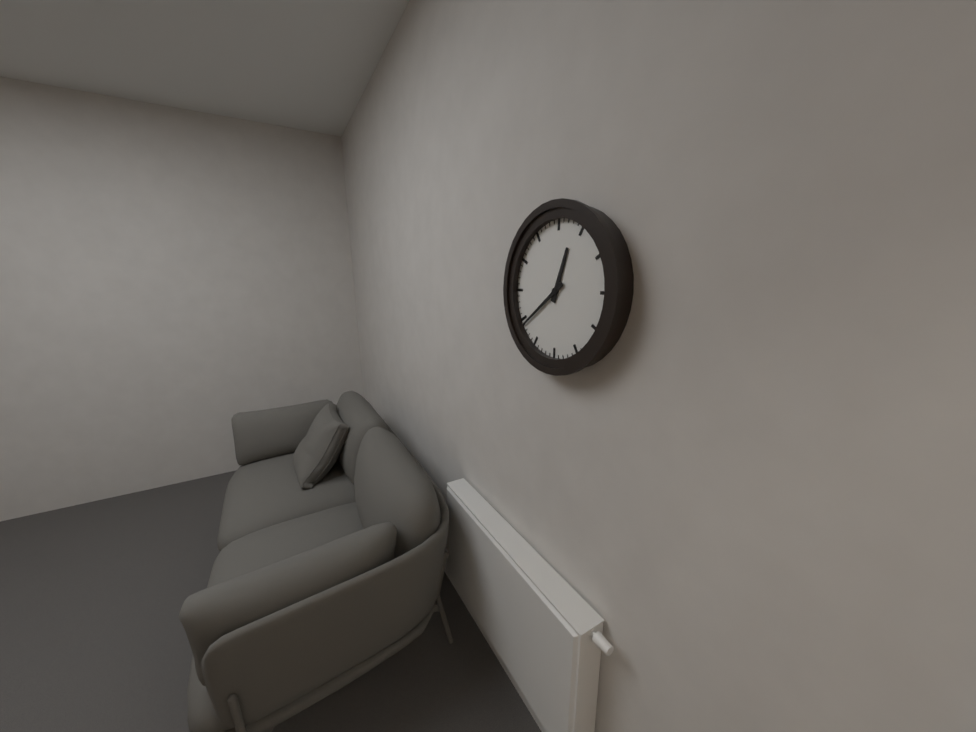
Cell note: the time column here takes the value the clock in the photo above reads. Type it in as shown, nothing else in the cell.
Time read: 12:39
